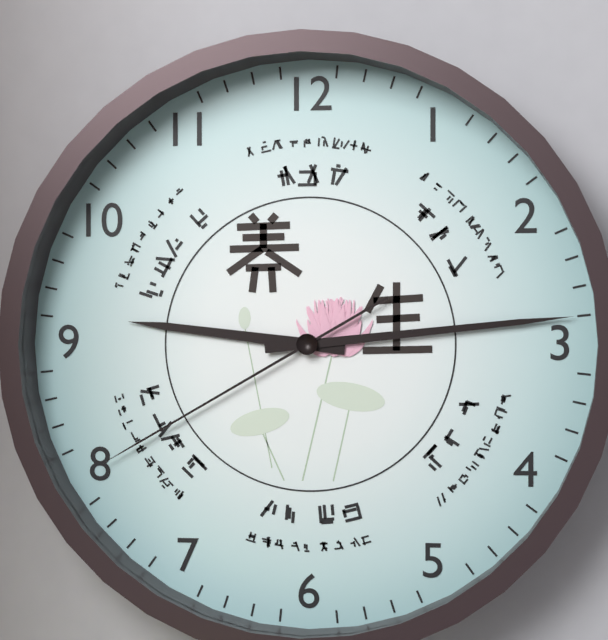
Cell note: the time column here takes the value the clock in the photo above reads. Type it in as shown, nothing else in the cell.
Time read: 9:14:40
